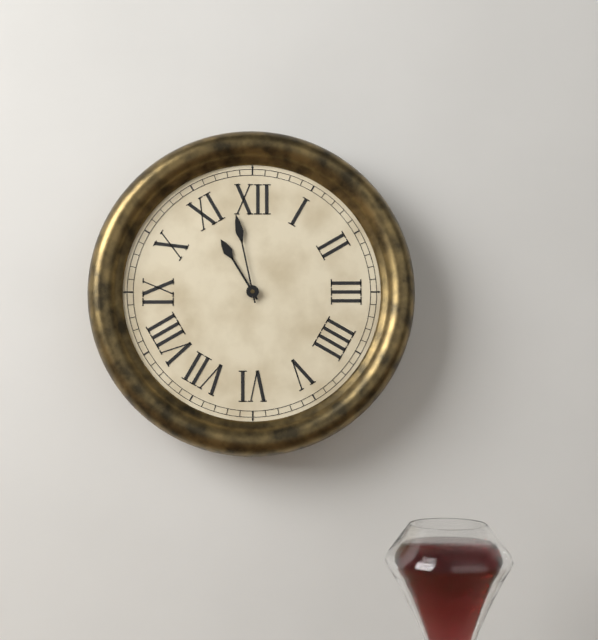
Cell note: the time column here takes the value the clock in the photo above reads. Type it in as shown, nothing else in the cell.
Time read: 10:58
